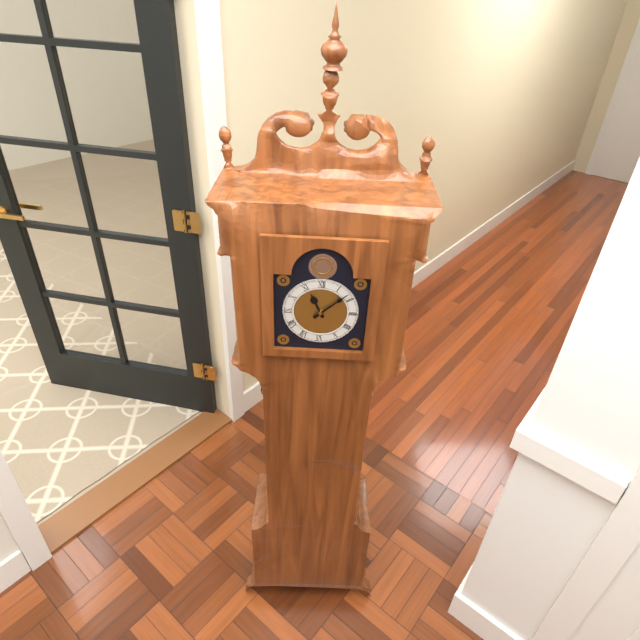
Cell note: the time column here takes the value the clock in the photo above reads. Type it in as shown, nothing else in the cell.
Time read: 11:08
